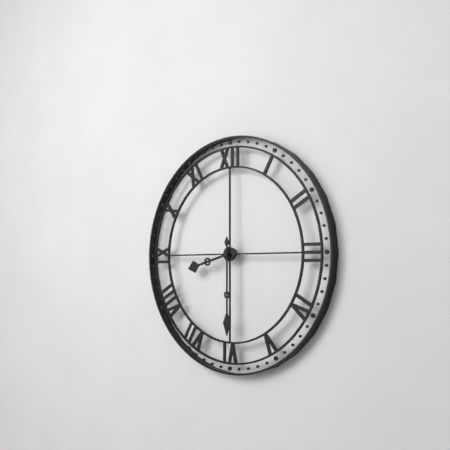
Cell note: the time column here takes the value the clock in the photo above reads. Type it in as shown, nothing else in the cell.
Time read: 8:30
